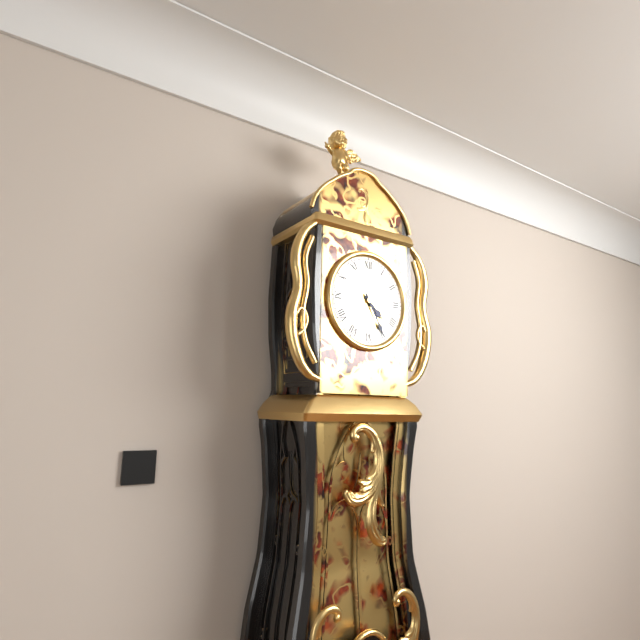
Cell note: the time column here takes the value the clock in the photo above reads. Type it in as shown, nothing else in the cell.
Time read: 4:25
